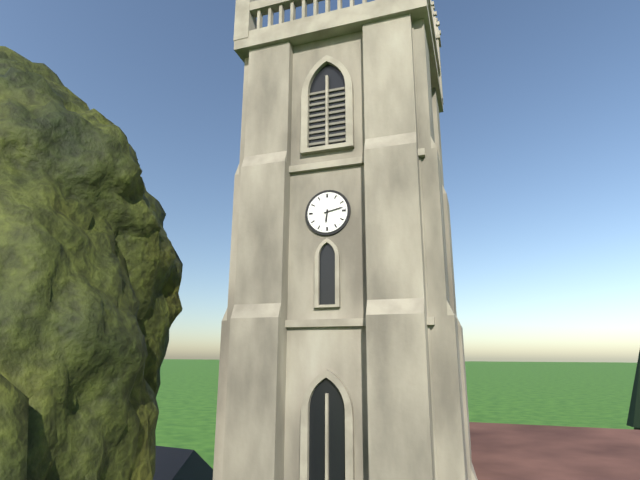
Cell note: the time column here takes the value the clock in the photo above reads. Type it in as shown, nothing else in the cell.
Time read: 6:13
